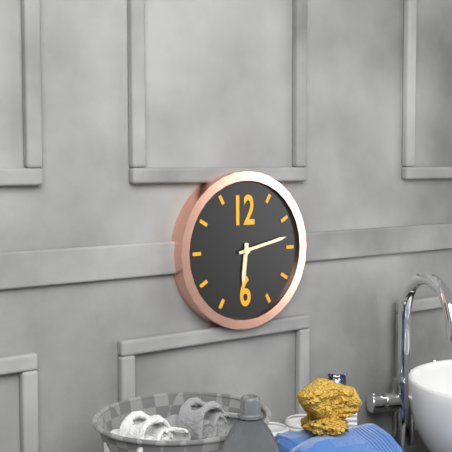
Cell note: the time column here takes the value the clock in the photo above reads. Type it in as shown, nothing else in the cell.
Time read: 6:13
